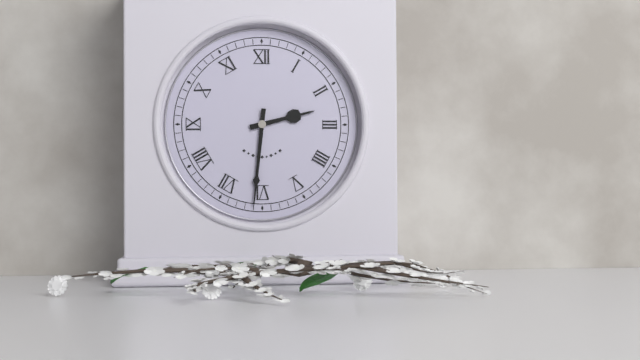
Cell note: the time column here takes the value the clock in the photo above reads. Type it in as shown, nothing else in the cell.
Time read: 2:31
